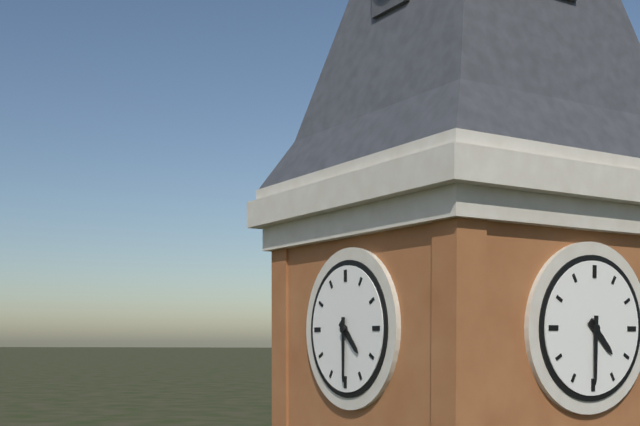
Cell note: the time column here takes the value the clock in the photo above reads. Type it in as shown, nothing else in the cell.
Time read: 4:30
